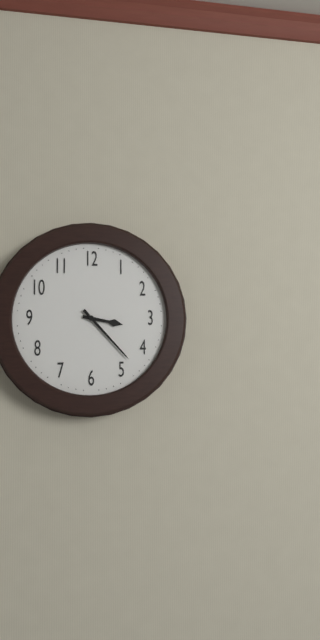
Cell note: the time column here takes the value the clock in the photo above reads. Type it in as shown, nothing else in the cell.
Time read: 3:23
